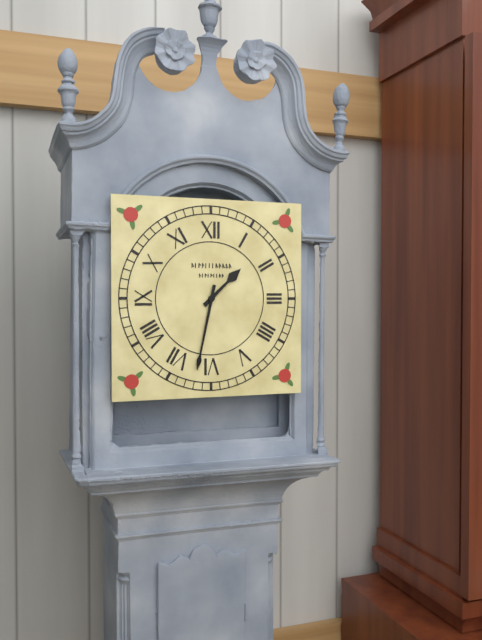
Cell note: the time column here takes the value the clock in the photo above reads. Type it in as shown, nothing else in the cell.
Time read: 1:32
